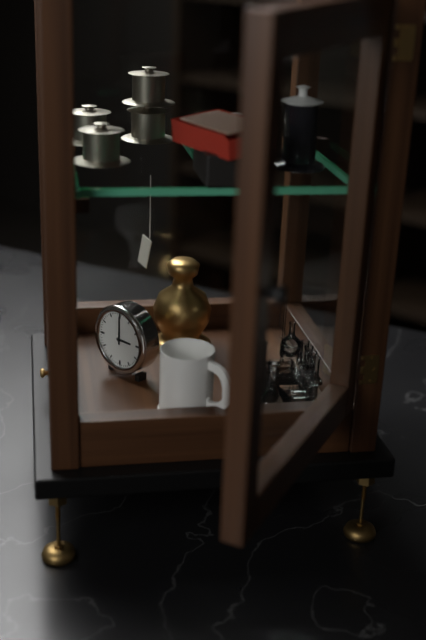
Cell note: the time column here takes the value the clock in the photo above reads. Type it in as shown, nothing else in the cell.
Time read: 3:00
